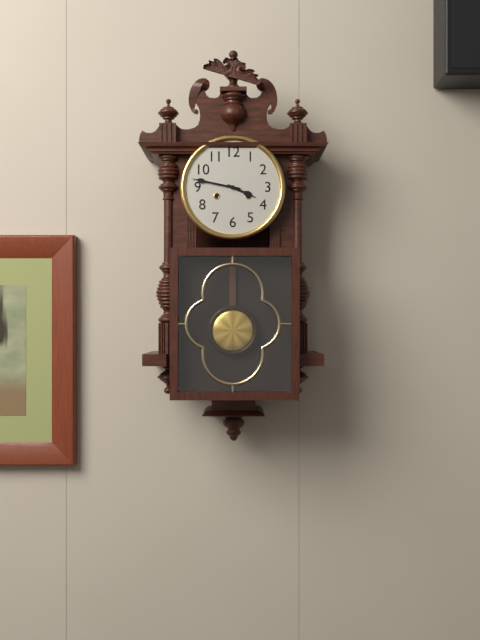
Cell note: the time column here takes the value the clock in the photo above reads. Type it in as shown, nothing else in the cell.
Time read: 3:47
